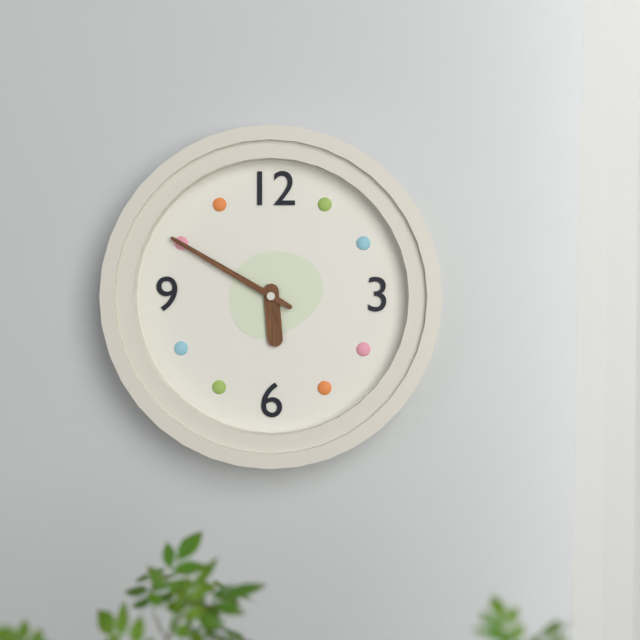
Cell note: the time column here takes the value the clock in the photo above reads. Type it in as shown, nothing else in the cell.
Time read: 5:50
